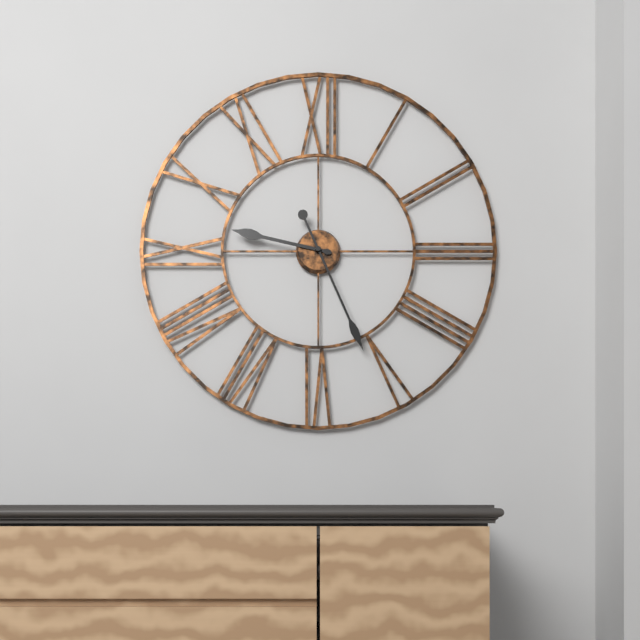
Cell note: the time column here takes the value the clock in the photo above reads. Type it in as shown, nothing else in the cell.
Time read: 9:26
